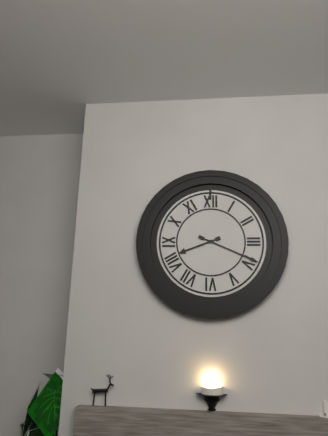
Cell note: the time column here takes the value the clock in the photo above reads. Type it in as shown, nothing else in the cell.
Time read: 8:19
